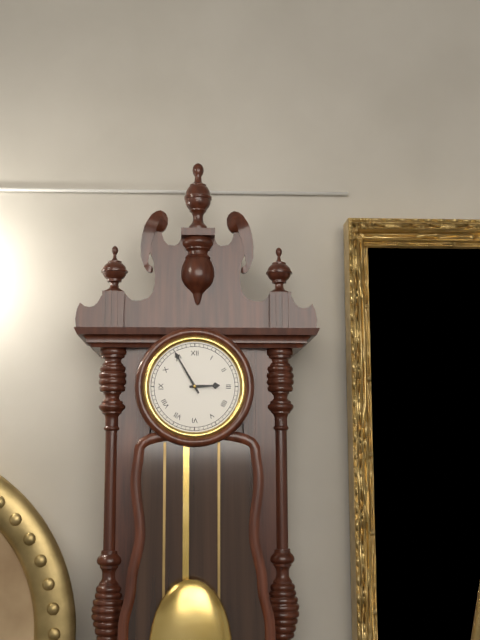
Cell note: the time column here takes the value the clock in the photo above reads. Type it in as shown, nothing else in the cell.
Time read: 2:55
